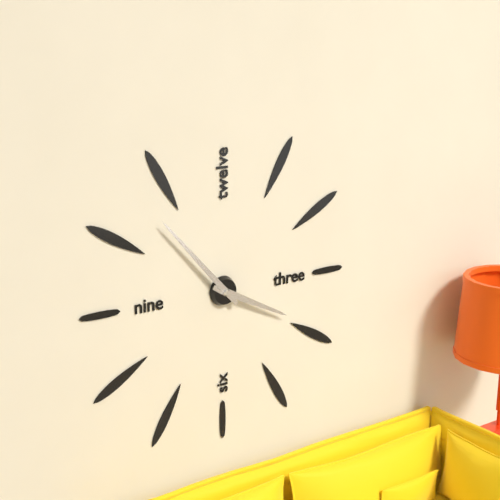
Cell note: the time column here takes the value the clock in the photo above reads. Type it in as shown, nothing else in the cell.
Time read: 3:53
